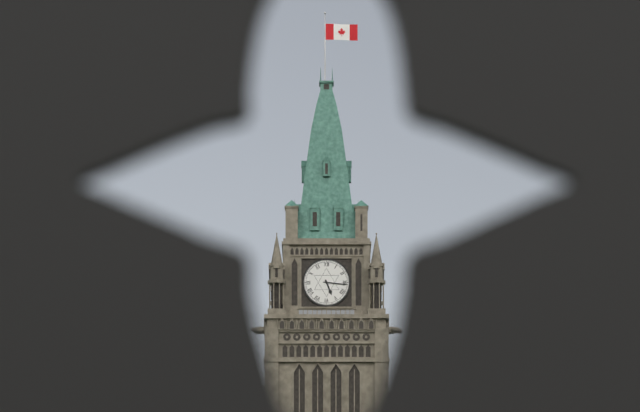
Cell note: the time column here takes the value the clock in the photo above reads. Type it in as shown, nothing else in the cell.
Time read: 5:16
